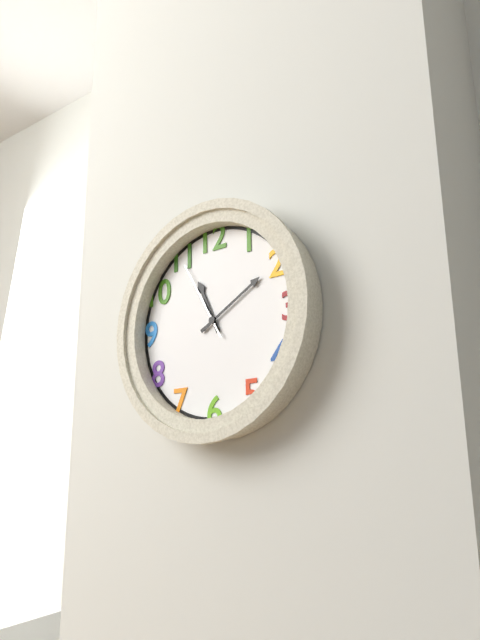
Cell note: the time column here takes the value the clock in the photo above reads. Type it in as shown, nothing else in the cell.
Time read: 11:10:55
